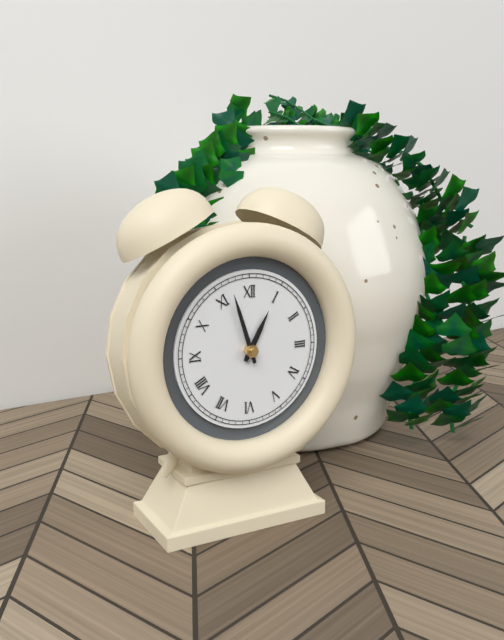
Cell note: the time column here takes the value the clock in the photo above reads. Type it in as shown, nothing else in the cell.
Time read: 12:57
